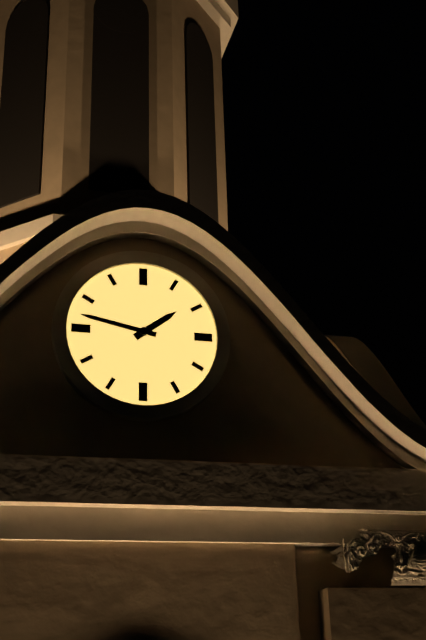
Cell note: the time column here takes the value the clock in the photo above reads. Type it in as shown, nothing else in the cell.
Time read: 1:47
